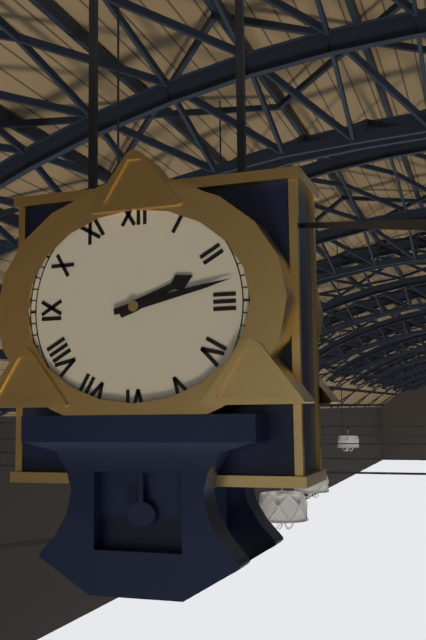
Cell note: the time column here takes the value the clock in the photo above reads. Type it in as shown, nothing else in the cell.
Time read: 2:13
